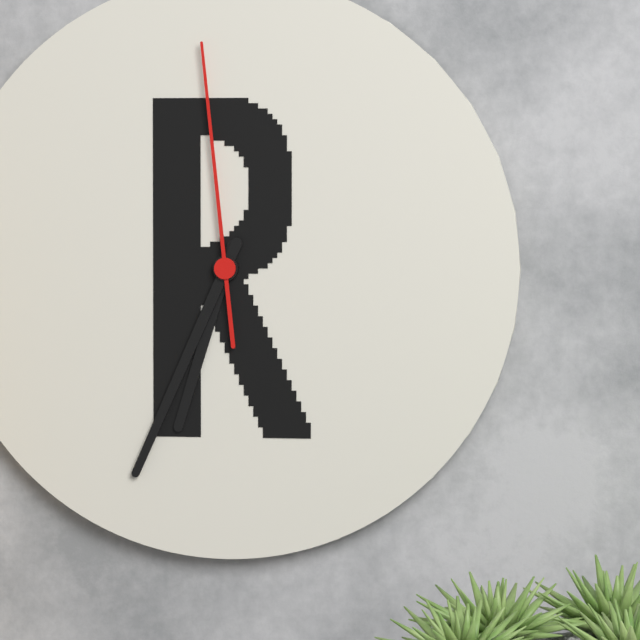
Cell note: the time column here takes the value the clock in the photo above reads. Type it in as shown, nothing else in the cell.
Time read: 6:34:59
